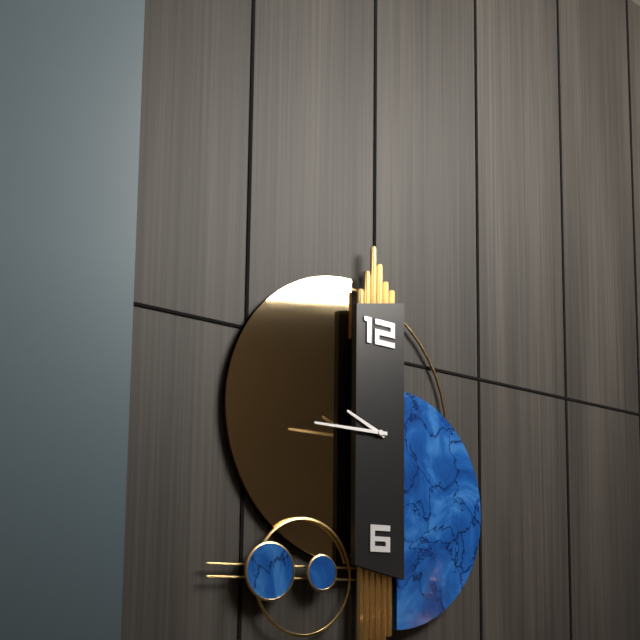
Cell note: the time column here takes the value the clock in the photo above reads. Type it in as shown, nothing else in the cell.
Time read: 9:45
